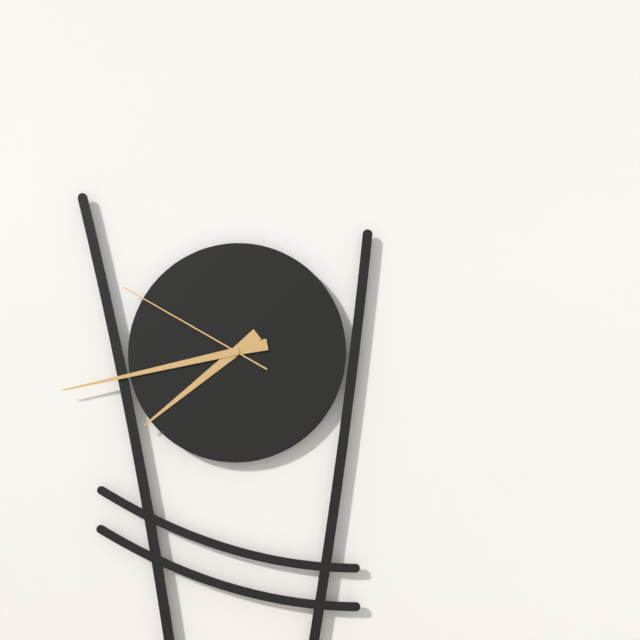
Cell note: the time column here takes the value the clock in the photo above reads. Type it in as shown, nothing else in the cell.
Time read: 7:43:50
